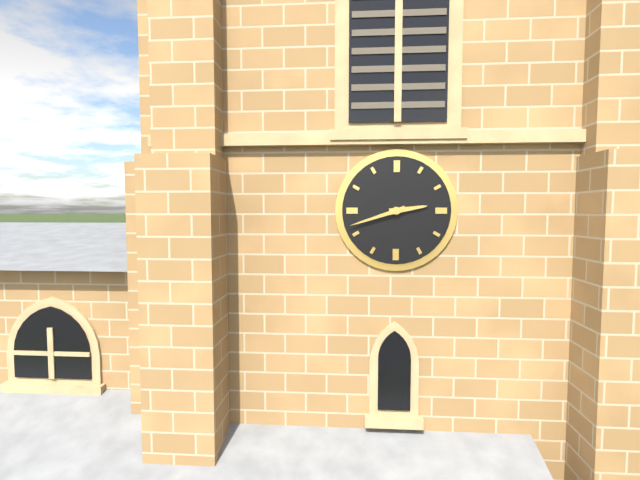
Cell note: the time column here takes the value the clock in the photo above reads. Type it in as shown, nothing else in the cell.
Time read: 2:42
